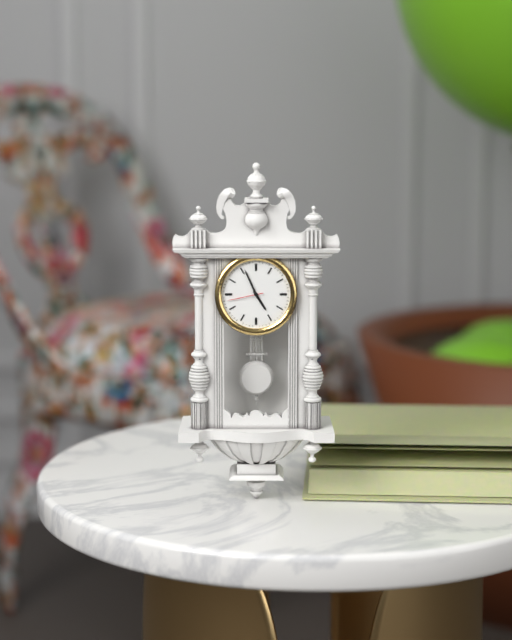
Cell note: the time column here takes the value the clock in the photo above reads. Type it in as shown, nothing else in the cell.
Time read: 4:56
